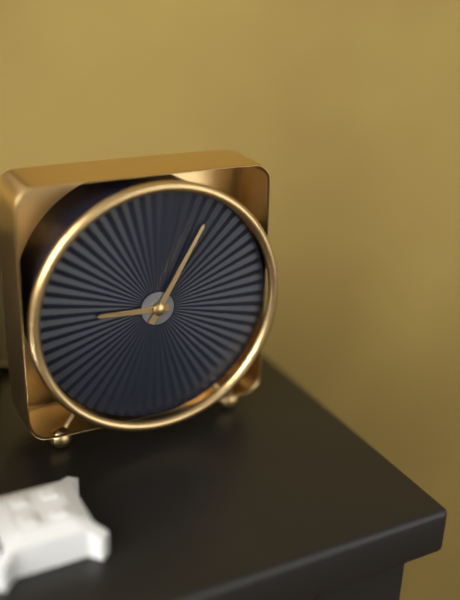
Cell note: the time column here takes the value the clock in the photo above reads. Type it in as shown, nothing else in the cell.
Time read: 9:05
